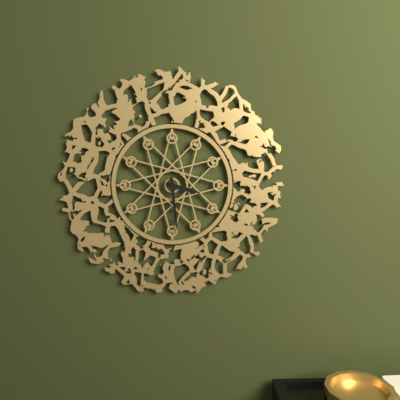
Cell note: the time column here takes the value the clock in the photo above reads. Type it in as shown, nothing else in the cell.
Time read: 3:29
